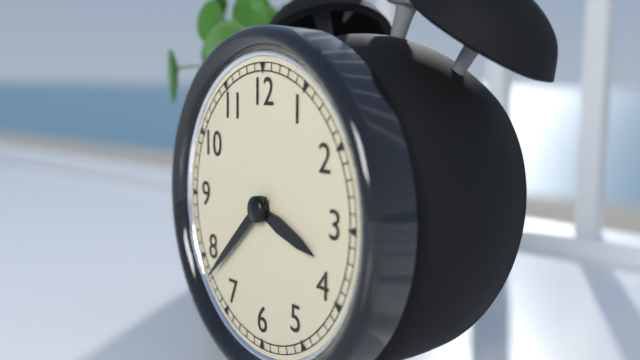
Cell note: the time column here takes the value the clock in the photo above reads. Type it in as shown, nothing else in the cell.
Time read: 3:38
